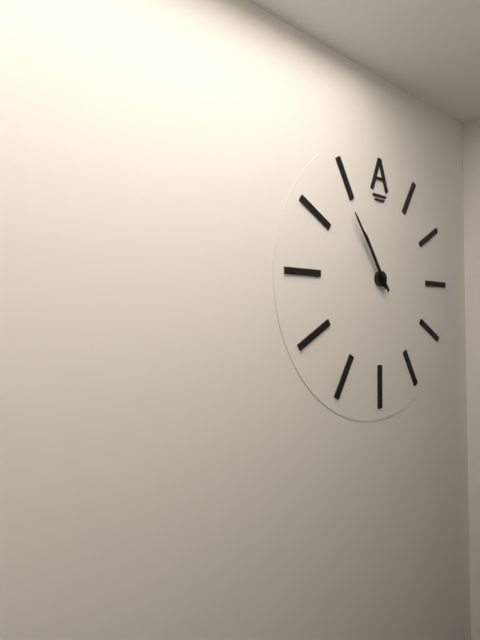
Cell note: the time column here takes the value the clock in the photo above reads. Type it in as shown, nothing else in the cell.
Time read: 10:54
